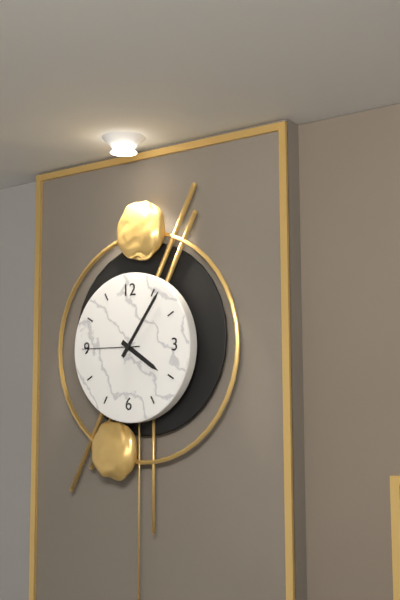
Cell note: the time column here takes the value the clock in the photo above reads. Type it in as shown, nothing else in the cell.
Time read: 4:06:45
